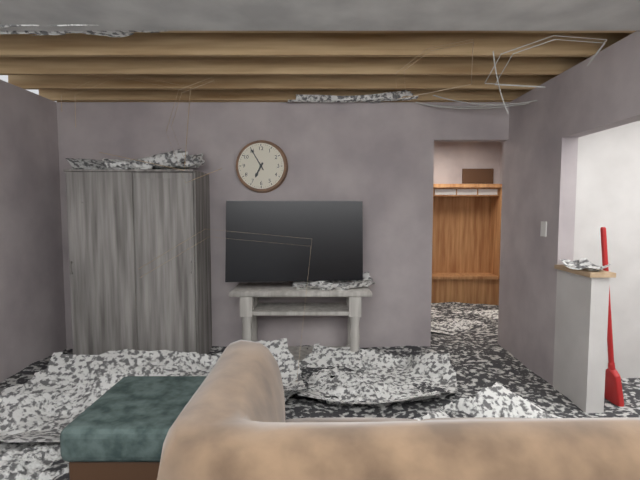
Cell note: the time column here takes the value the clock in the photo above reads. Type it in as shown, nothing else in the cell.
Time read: 6:55
